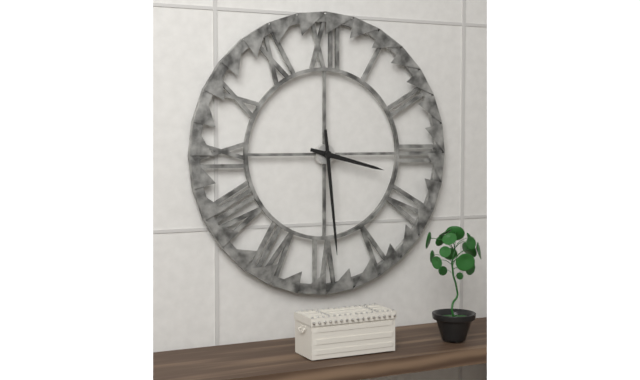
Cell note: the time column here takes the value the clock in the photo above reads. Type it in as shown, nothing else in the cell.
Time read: 3:29
